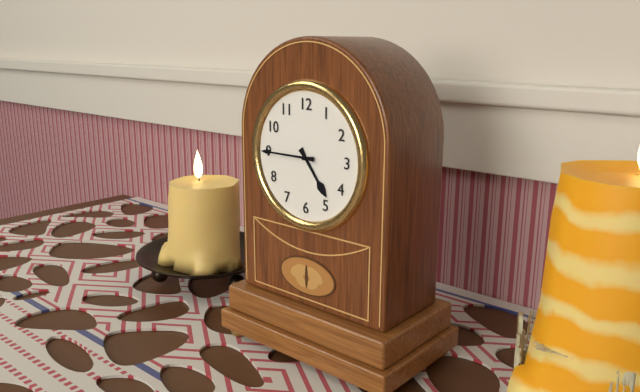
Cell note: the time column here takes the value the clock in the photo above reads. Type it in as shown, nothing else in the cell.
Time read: 4:45
